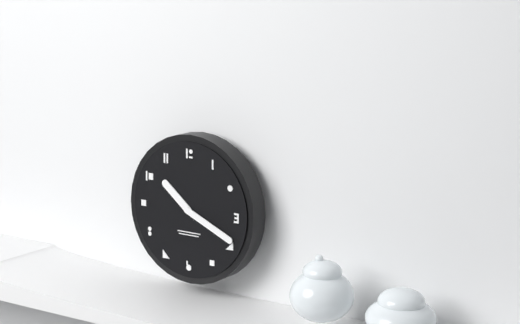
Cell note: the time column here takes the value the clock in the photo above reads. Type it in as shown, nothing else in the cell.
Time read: 10:19
